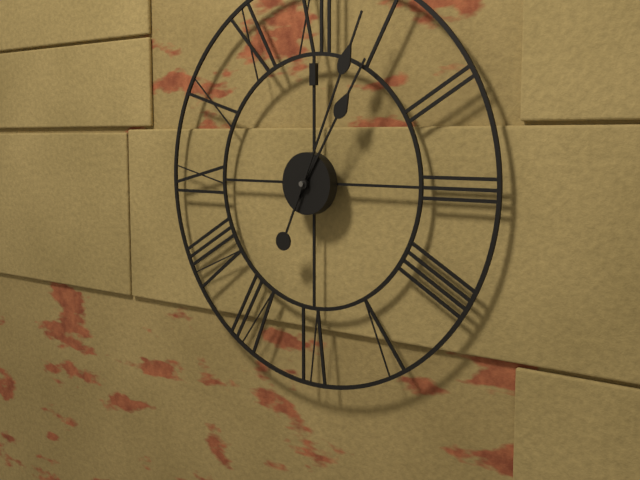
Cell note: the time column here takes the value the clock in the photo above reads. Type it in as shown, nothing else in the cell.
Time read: 1:04
